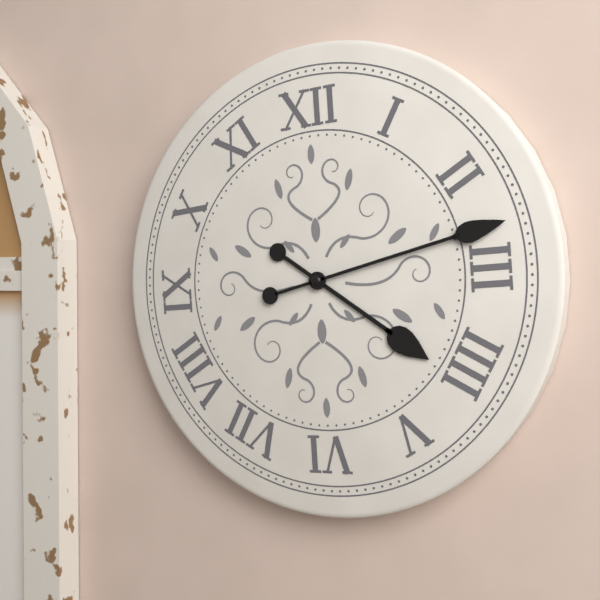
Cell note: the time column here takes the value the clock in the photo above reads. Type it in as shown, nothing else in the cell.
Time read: 4:13
